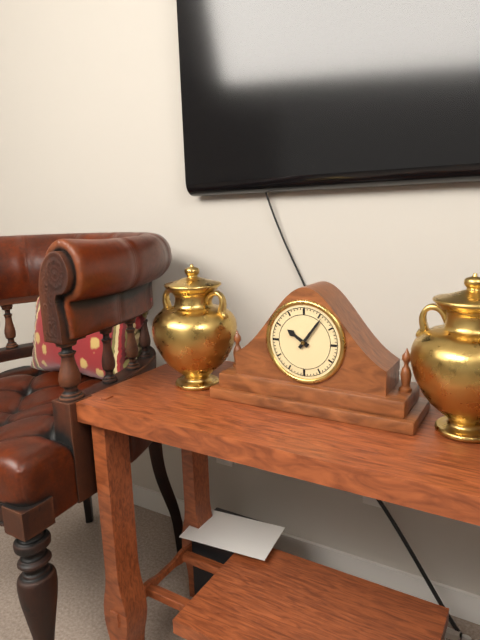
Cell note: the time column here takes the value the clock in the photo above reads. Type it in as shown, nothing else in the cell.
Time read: 10:06
